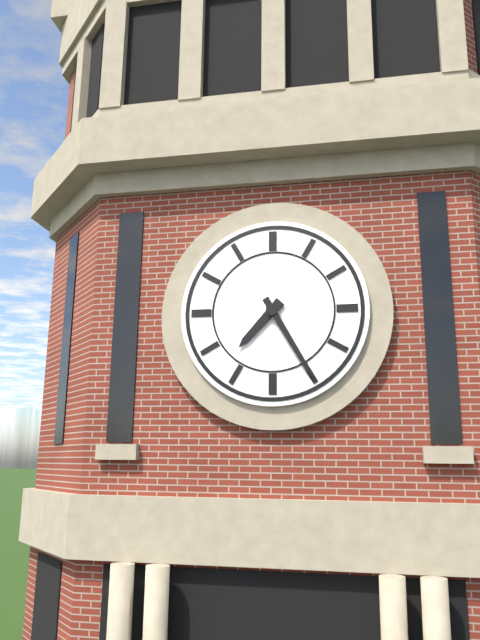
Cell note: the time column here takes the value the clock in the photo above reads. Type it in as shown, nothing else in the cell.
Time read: 7:25
